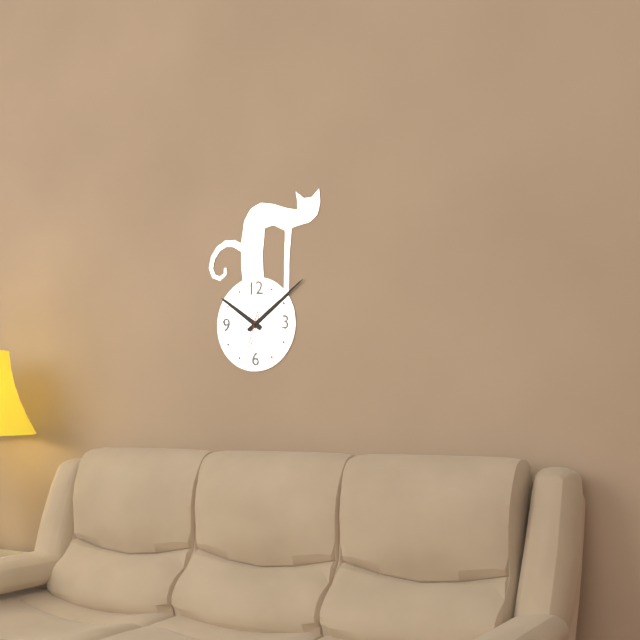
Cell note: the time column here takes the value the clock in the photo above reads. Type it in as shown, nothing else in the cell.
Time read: 10:09:33
